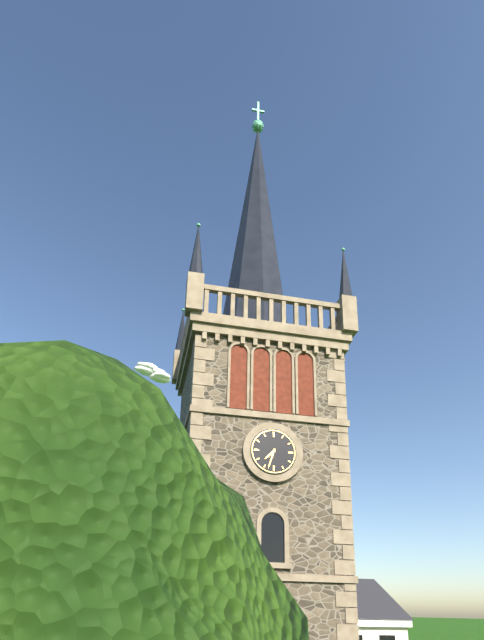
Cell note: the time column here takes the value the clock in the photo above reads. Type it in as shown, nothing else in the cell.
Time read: 7:33
